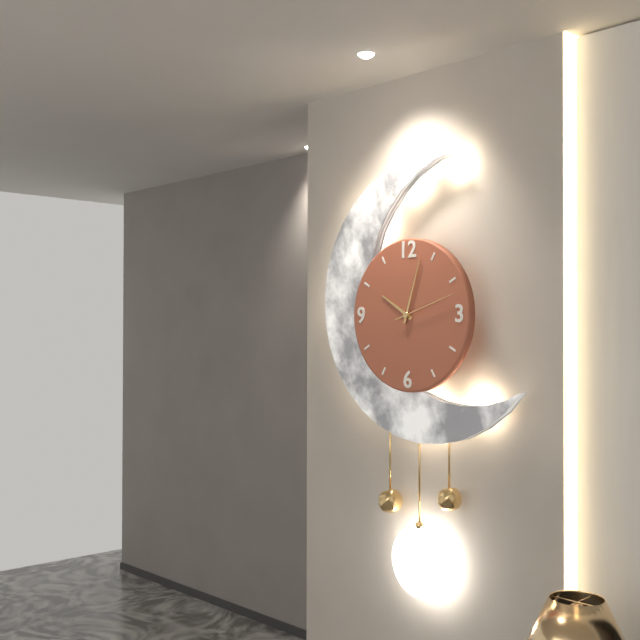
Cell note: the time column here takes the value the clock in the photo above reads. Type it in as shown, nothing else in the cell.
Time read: 10:03:12
